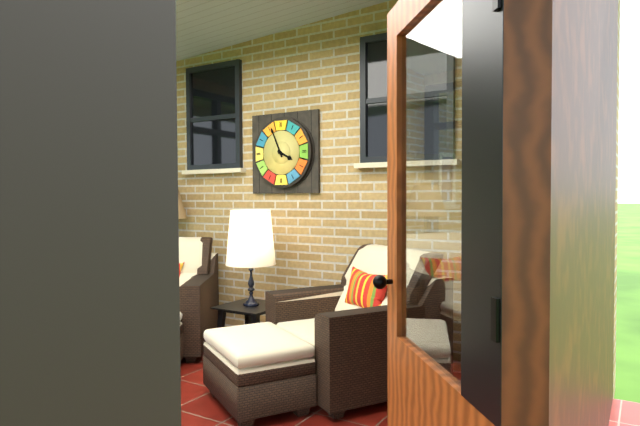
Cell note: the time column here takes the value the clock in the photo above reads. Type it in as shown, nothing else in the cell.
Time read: 3:56
